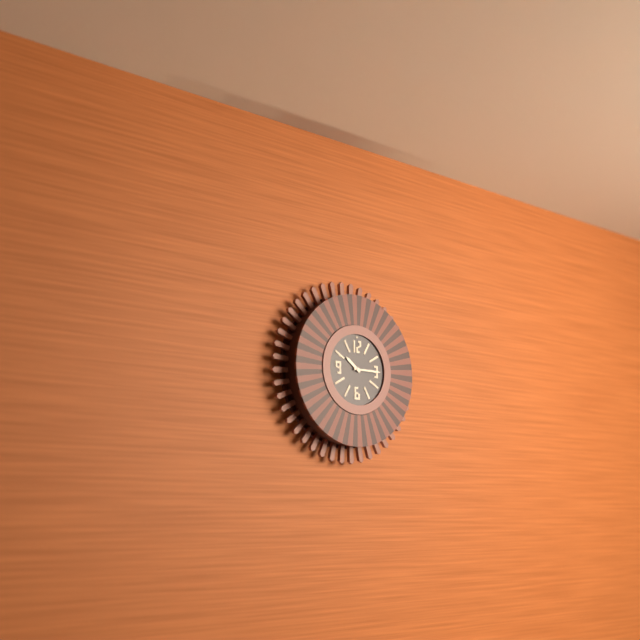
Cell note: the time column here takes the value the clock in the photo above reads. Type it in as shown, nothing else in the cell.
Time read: 10:15
